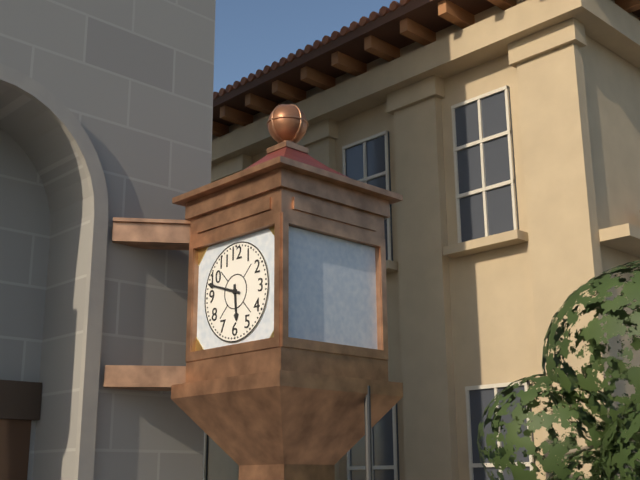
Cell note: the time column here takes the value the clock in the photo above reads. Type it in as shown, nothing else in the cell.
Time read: 5:48
